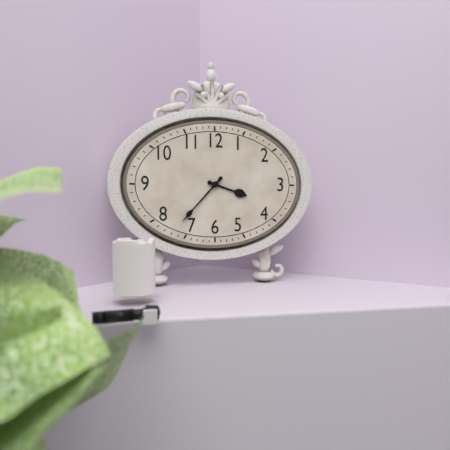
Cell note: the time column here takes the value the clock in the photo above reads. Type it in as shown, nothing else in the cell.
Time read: 3:37
